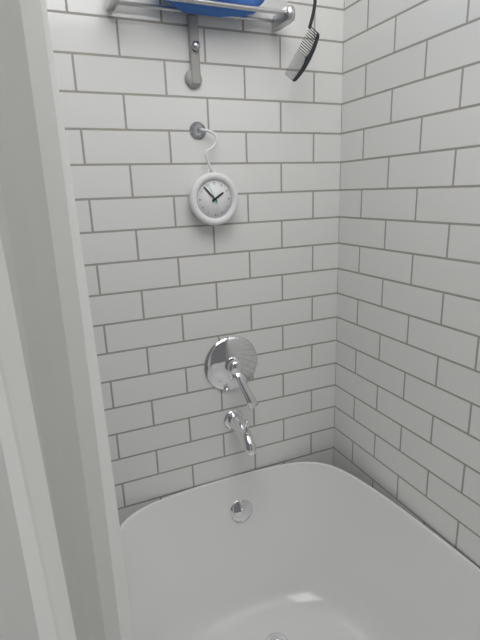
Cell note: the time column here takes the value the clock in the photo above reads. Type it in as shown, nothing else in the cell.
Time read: 1:53
